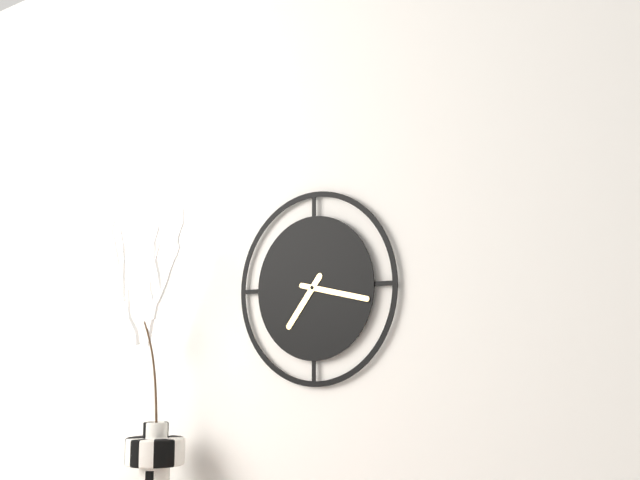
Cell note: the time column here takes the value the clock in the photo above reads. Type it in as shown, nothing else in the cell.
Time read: 7:17
